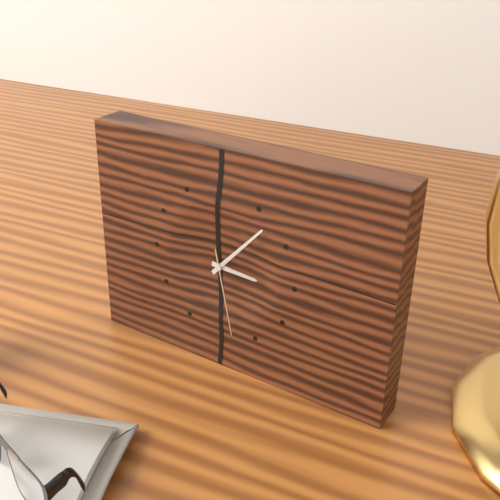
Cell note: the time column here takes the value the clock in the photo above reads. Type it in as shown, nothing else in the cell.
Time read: 3:07:28
